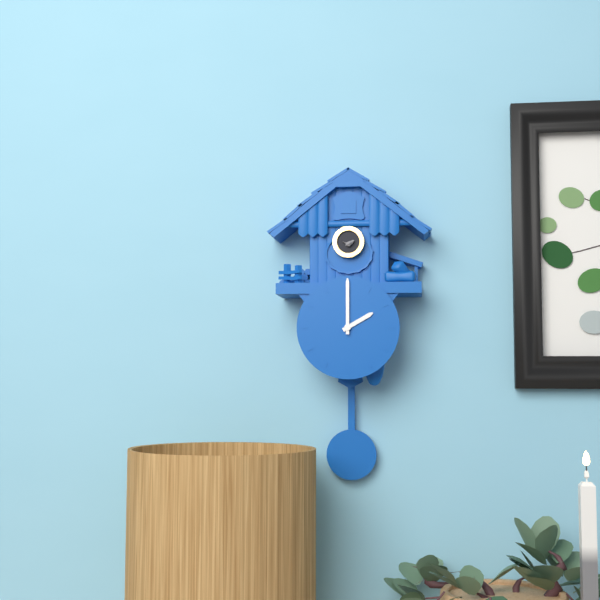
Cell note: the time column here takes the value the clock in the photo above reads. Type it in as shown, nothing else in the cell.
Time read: 2:00
